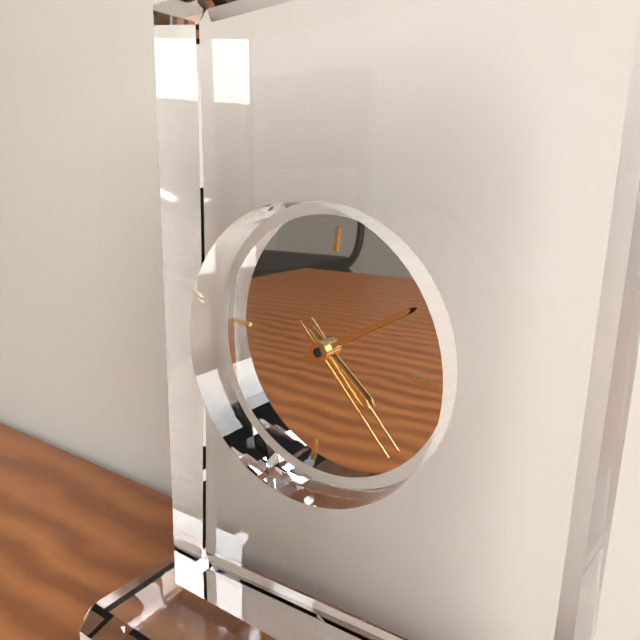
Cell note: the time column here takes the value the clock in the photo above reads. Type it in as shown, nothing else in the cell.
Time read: 4:09:22
